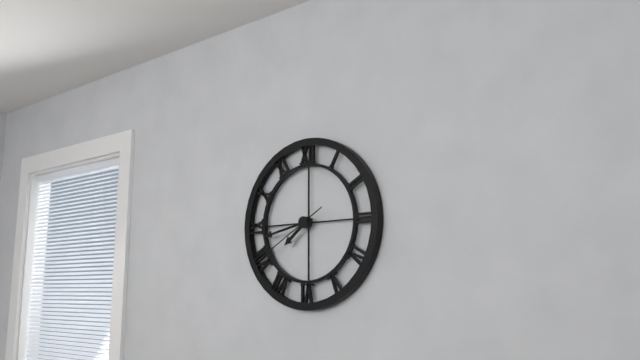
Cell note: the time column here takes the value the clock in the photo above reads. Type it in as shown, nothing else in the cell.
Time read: 7:43:40
